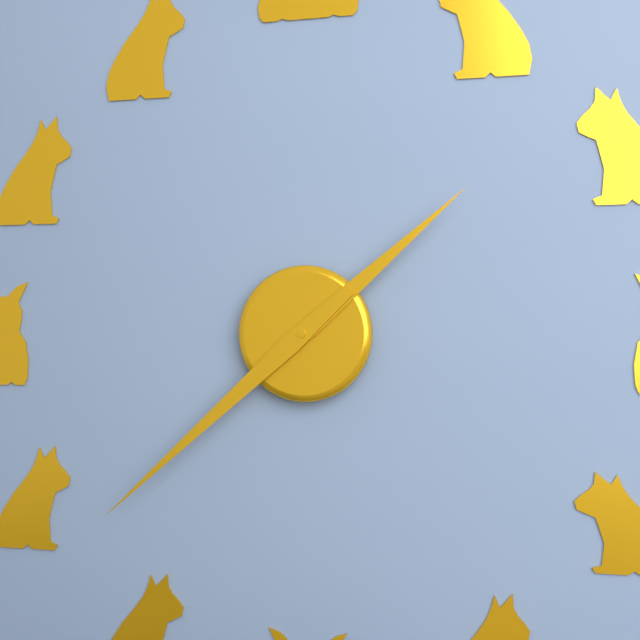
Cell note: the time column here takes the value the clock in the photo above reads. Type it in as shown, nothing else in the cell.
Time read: 1:38
